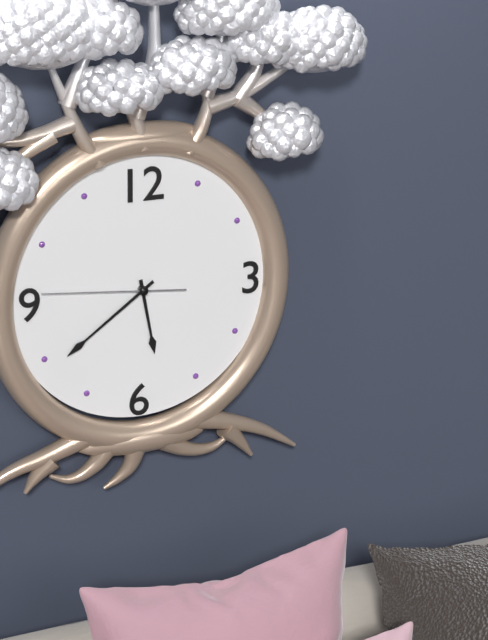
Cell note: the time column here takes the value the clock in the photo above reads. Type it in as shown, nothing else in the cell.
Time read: 5:39:46
